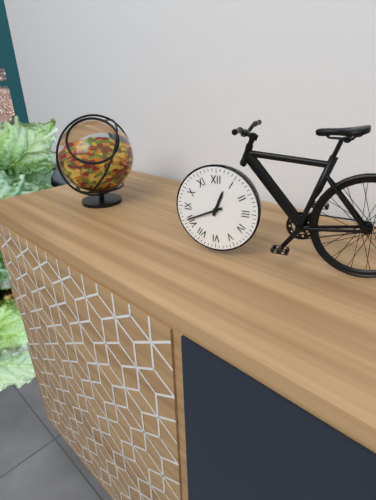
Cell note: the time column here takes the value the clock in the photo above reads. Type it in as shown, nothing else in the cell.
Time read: 12:41
